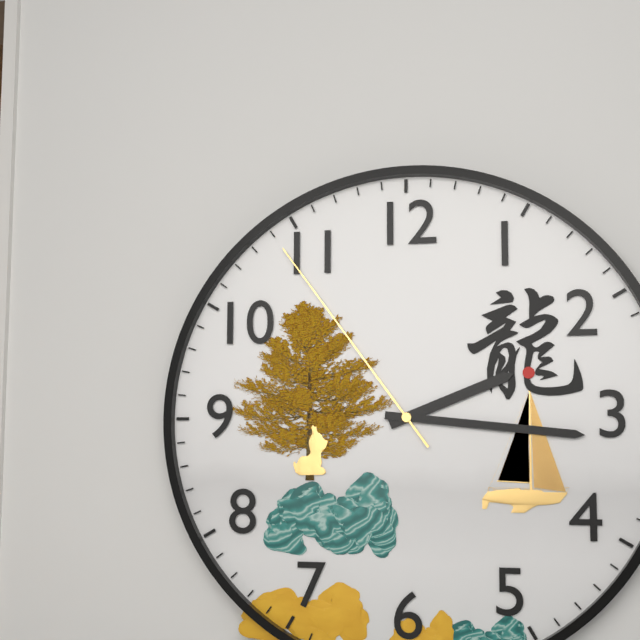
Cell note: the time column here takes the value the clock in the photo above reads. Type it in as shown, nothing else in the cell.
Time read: 2:16:54
